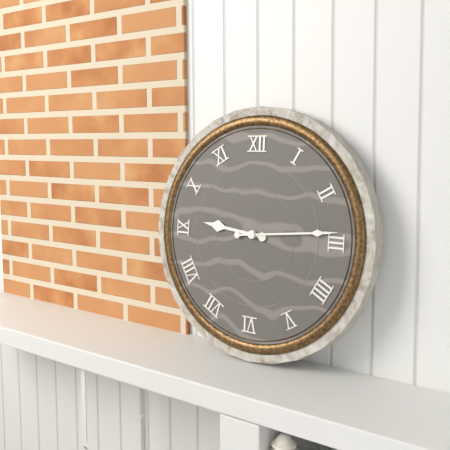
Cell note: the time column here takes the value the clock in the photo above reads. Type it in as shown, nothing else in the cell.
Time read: 9:14
